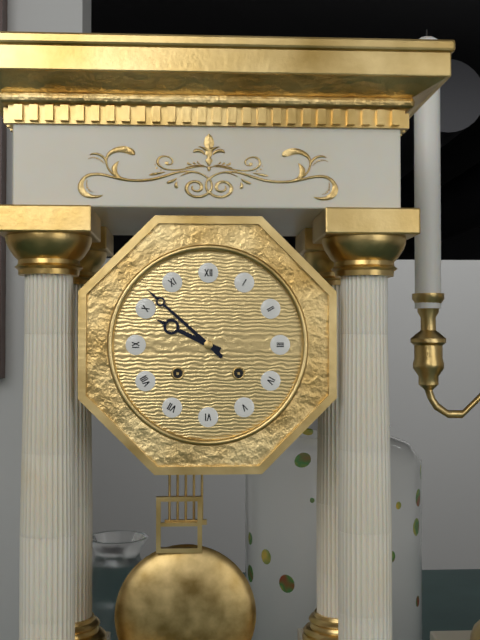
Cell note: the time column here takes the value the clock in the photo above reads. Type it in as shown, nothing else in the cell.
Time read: 9:52
